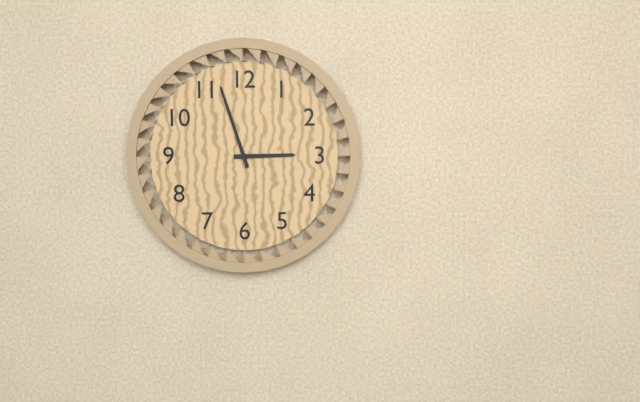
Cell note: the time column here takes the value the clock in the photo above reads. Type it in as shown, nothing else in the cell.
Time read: 2:57
